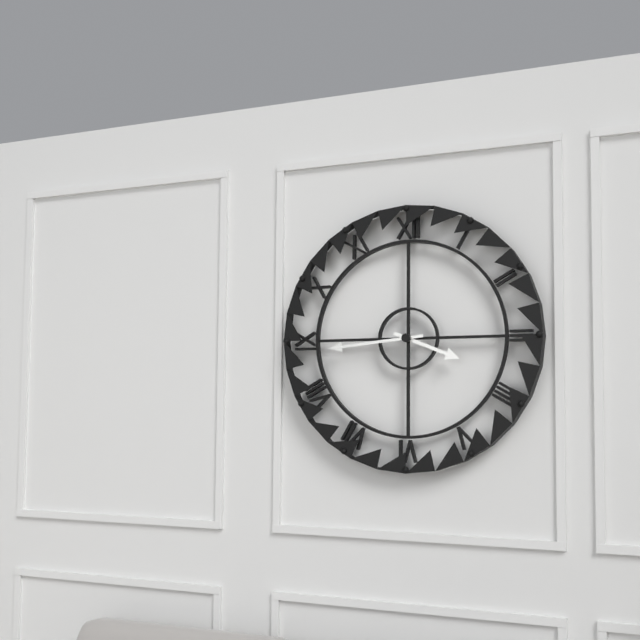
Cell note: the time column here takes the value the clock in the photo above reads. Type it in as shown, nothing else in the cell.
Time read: 3:44
